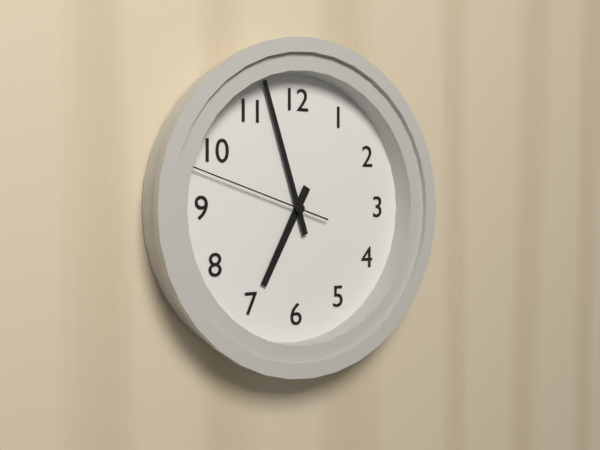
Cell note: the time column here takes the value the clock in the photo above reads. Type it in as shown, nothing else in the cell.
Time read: 6:57:48
